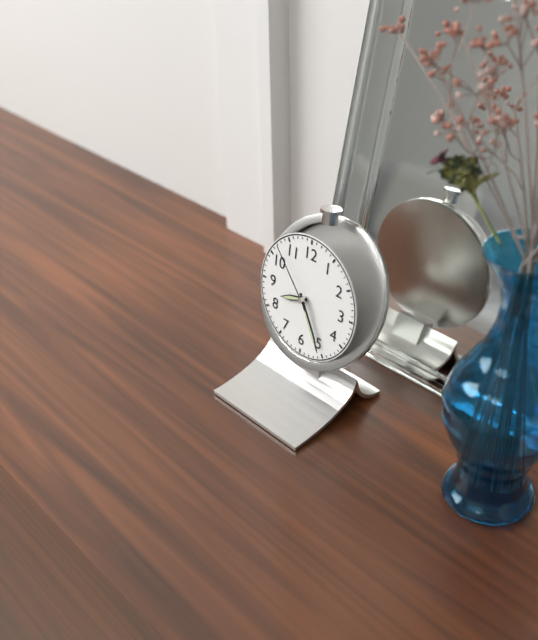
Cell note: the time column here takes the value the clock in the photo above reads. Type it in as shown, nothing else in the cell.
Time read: 8:25:53
